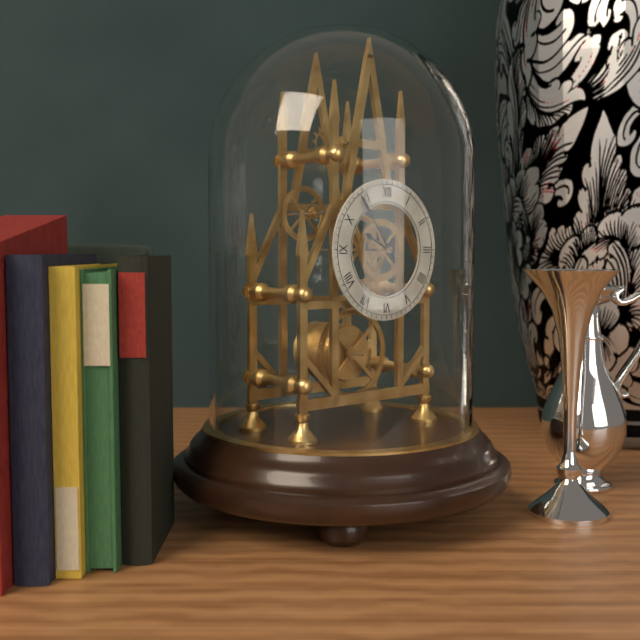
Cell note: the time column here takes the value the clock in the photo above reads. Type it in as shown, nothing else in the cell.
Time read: 9:54
